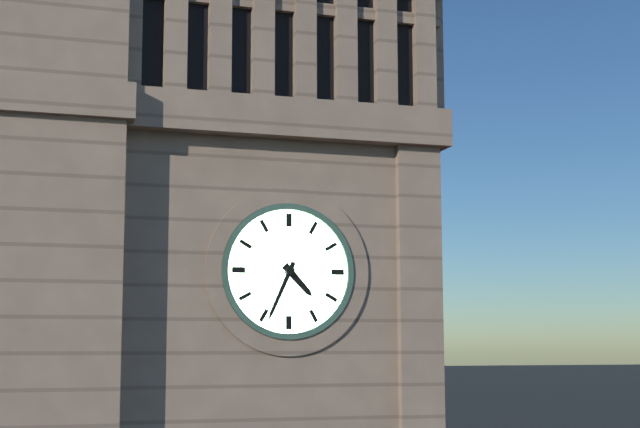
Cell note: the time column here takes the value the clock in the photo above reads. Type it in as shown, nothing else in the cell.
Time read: 4:34
